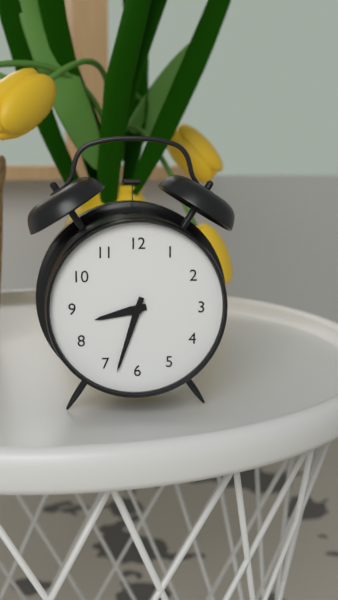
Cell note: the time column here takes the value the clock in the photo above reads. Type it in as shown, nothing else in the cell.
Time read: 8:33
